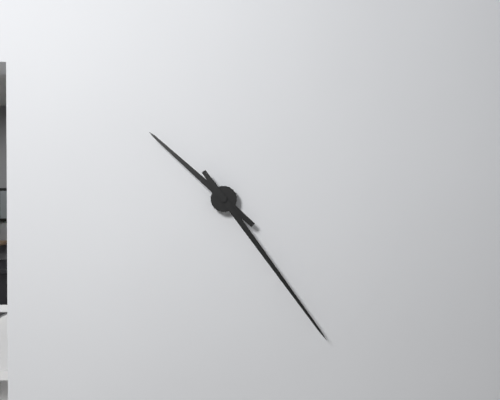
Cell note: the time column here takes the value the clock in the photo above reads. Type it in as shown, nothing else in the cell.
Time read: 10:24
